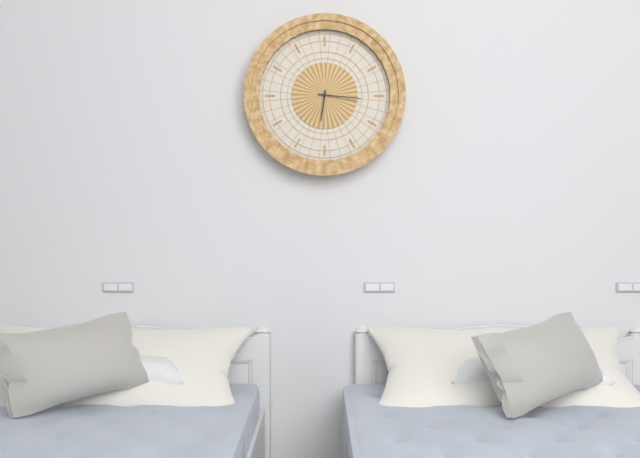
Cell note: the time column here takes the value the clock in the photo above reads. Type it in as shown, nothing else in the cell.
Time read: 6:16
